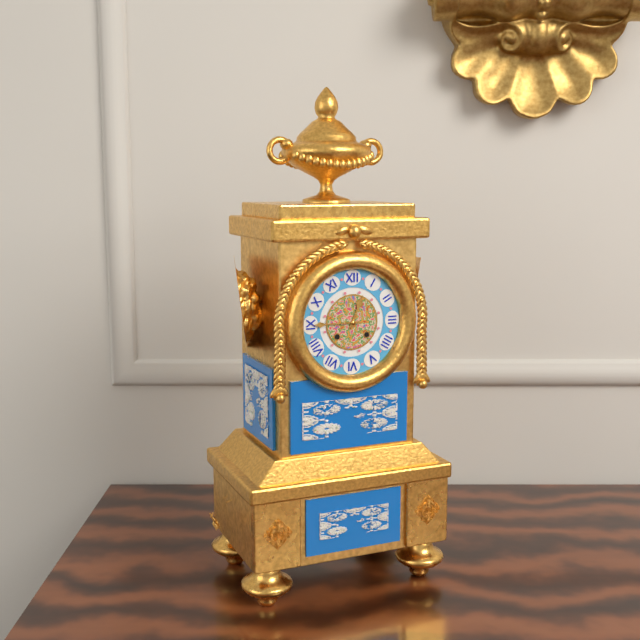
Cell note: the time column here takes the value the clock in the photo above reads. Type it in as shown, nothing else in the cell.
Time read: 12:45
